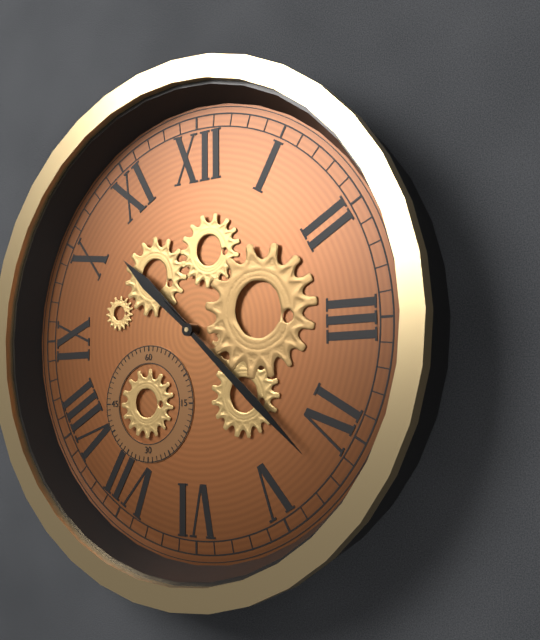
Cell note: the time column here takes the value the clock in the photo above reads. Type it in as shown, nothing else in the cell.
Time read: 10:22
